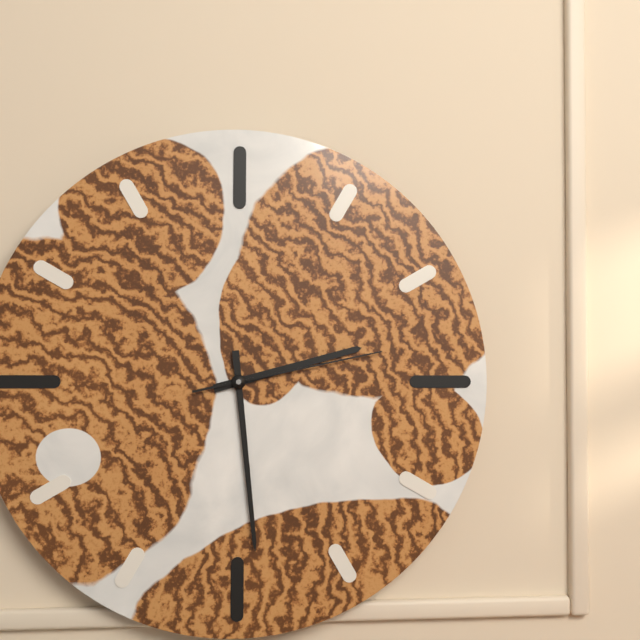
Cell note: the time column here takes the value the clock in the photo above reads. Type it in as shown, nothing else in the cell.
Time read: 2:29:13
